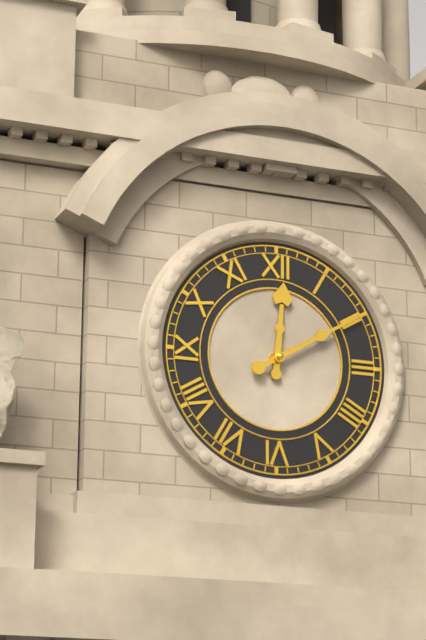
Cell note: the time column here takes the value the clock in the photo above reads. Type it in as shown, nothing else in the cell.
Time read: 12:10
